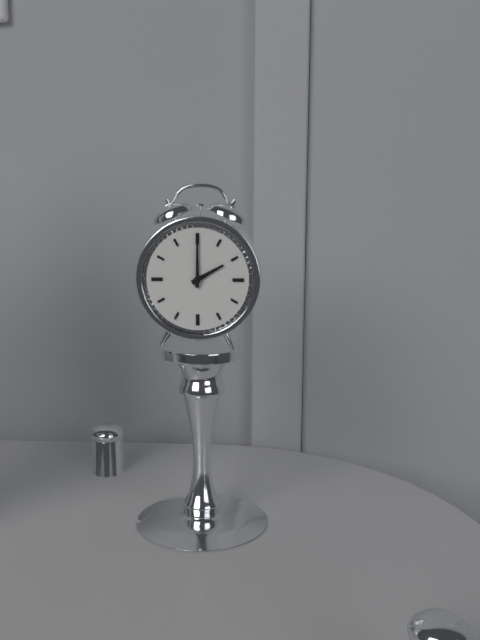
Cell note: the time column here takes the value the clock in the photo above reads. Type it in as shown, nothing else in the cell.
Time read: 2:00
